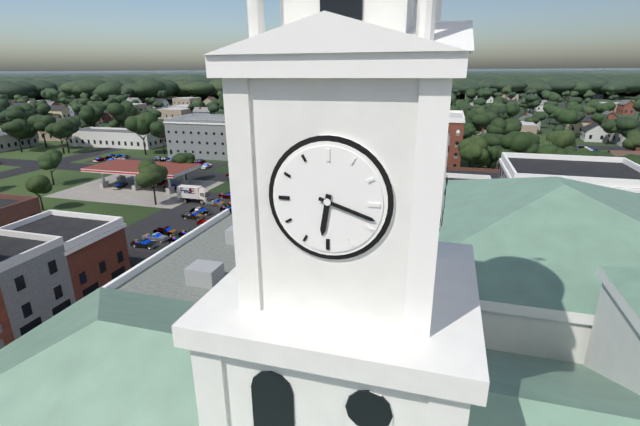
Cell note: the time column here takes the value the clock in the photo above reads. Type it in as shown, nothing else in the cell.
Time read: 6:18
